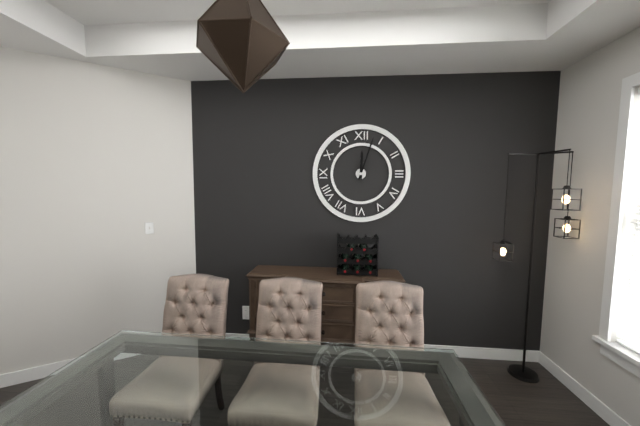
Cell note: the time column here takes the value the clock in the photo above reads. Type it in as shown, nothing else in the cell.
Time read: 12:03
